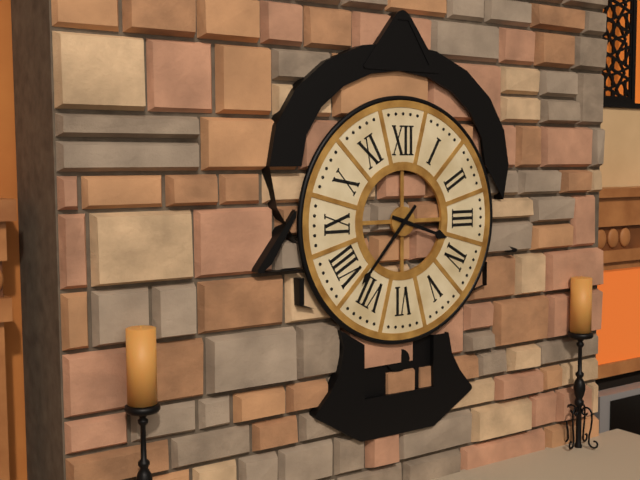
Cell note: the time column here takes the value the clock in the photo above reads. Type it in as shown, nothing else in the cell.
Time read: 3:37
